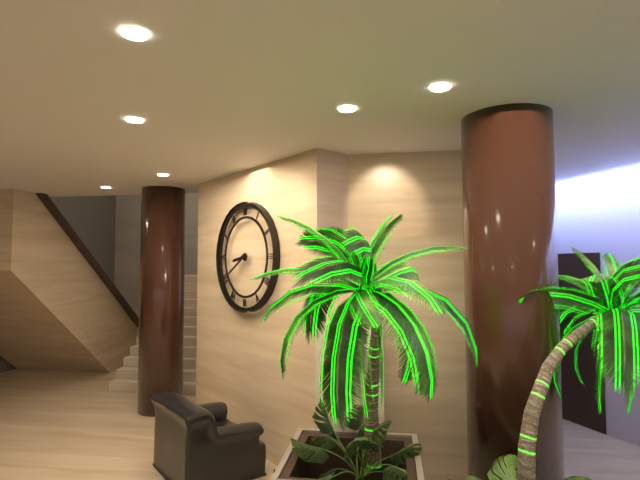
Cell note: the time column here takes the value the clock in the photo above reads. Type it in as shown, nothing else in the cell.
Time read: 8:40
